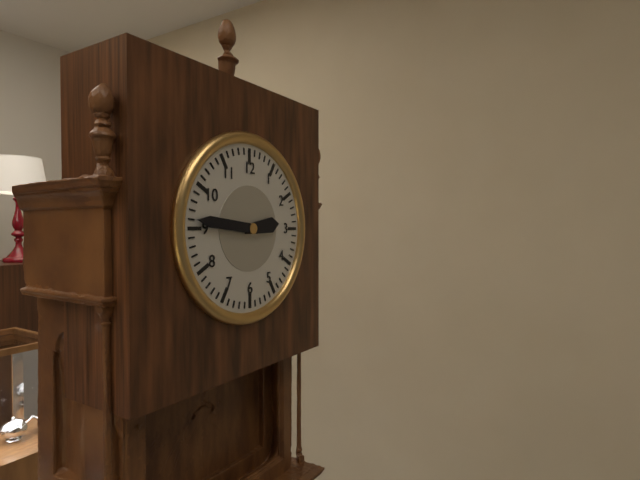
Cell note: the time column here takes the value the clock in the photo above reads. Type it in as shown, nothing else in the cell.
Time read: 2:46
